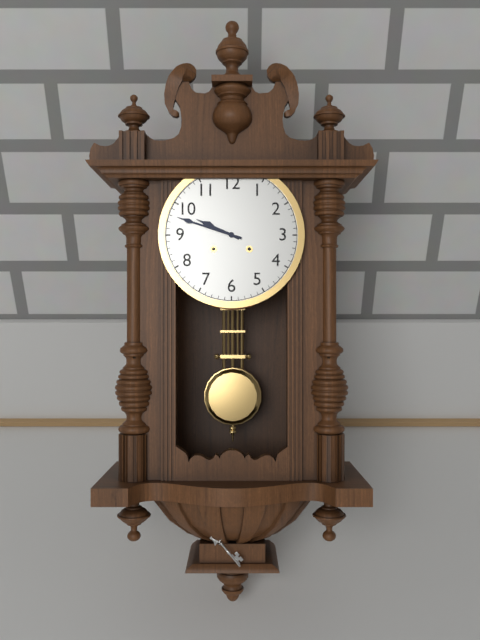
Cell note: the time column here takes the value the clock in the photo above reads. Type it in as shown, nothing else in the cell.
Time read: 9:48
